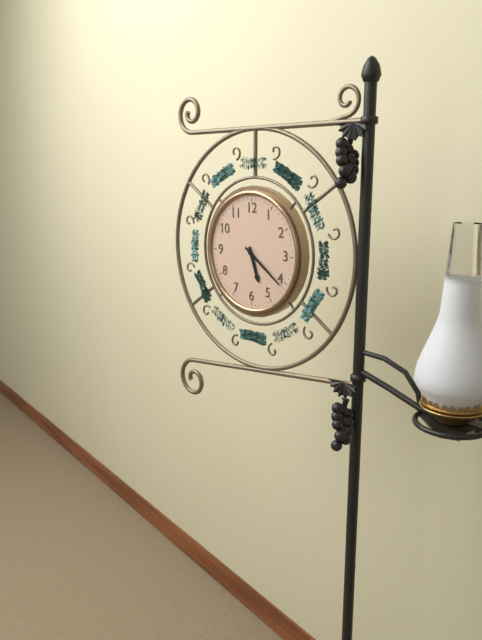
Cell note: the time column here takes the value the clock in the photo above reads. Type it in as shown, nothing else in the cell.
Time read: 5:21
